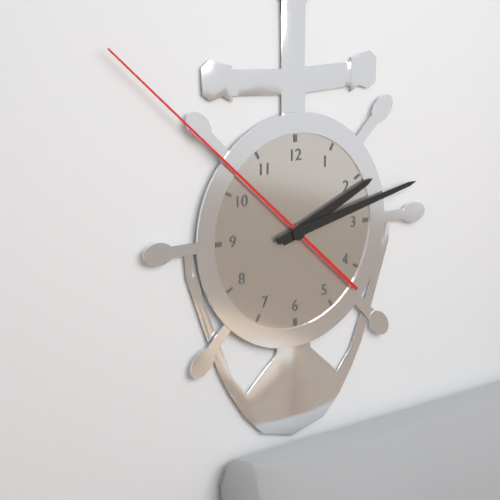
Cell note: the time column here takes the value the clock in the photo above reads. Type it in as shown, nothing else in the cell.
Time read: 2:13:52
